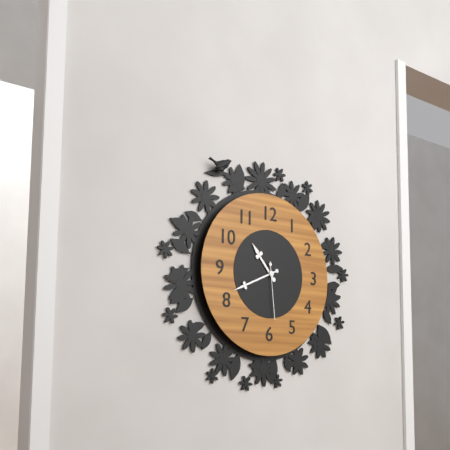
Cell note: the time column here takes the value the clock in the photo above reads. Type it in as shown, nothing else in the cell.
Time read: 10:41:29
